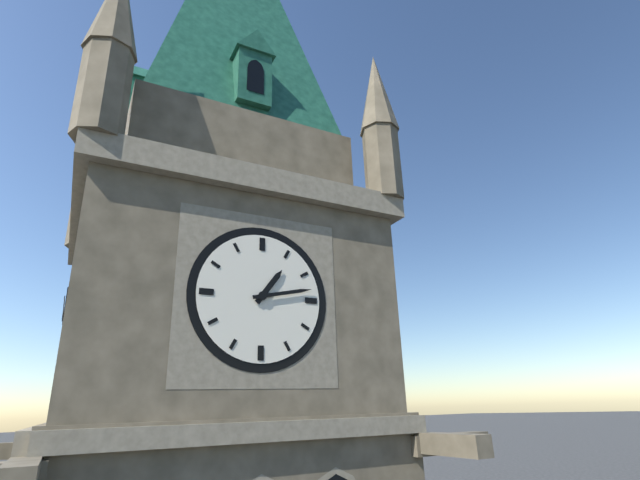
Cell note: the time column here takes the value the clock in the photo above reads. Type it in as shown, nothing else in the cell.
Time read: 1:13
